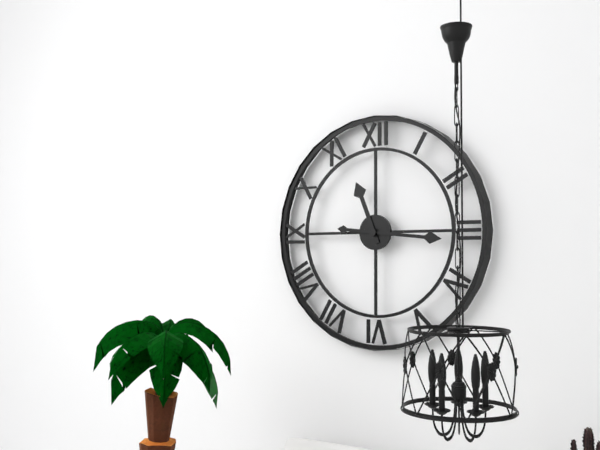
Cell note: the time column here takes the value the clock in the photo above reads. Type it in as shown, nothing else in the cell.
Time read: 11:16
